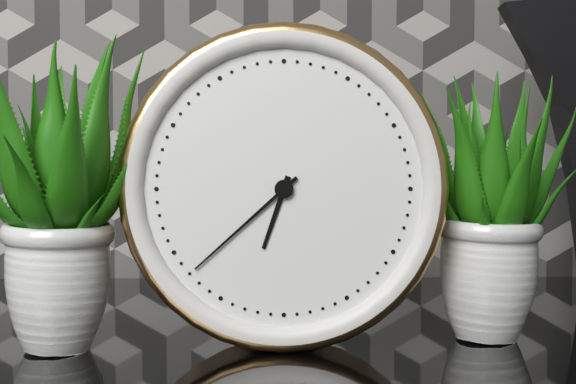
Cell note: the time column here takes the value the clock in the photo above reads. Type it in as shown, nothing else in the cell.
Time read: 6:38
